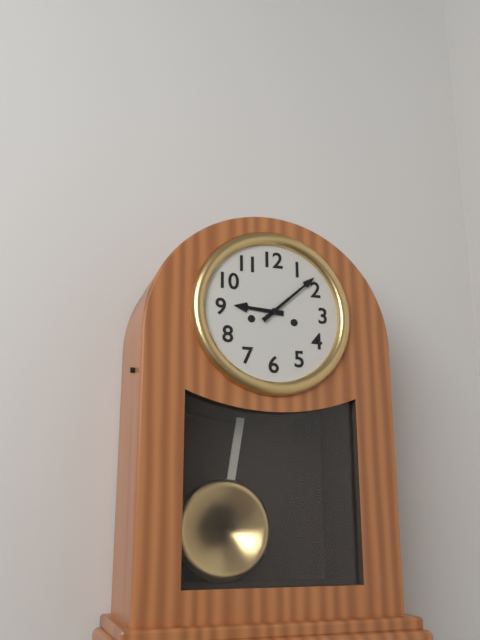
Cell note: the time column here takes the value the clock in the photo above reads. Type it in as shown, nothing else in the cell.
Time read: 9:08
